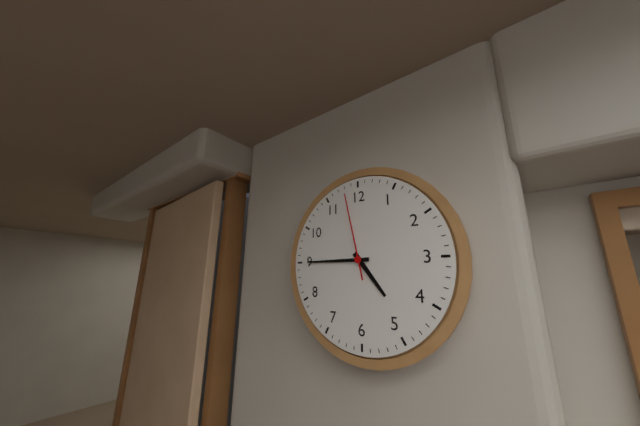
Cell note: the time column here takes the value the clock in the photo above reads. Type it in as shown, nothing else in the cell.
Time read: 4:45:58
